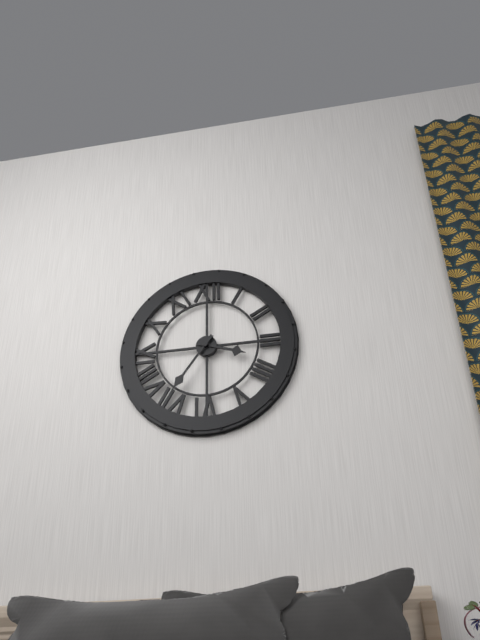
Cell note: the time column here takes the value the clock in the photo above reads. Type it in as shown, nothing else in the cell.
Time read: 3:36
